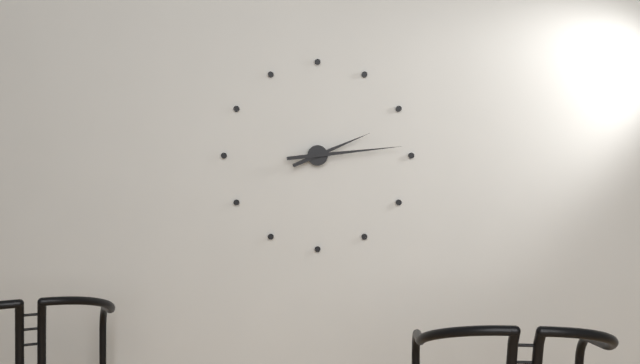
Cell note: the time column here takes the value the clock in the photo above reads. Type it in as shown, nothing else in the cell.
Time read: 2:14
